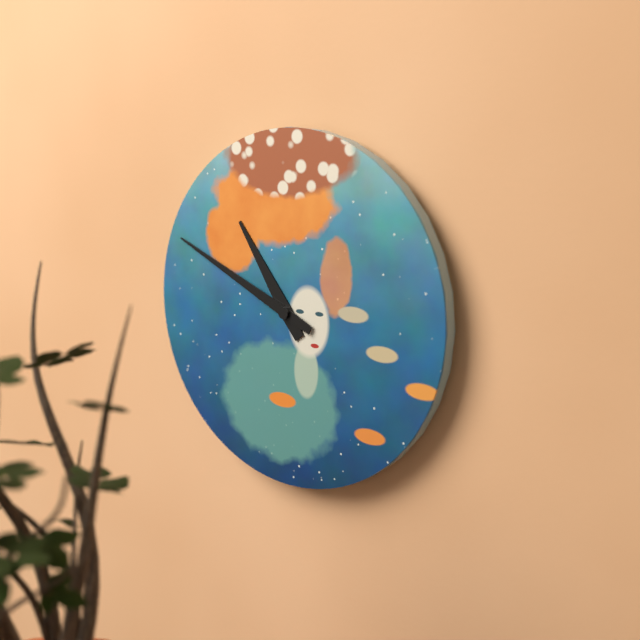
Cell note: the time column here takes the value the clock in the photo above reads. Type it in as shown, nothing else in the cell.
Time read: 10:49
